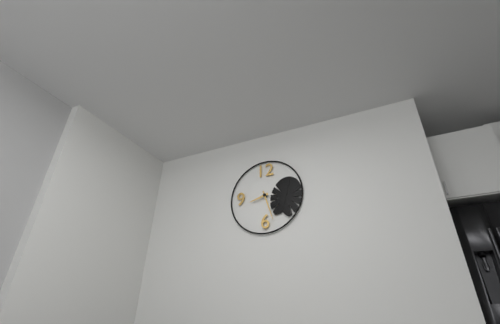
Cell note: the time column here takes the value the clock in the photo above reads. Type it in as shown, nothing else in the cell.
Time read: 8:27
